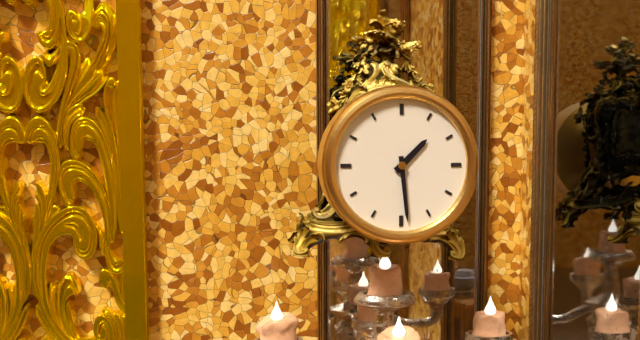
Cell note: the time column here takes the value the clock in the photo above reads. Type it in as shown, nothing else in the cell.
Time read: 1:29
